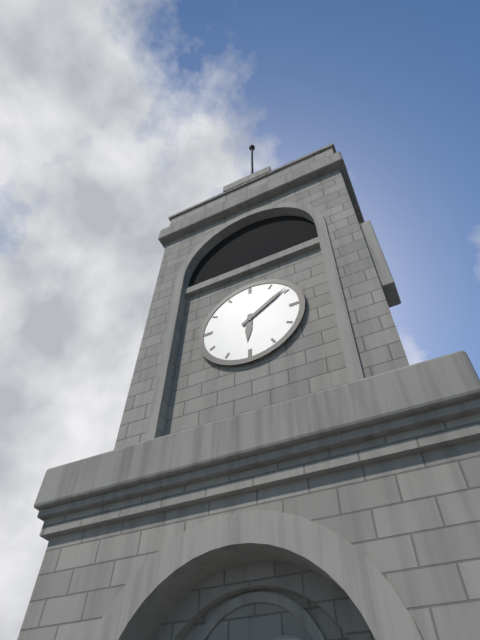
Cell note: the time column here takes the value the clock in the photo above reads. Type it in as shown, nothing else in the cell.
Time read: 6:09
